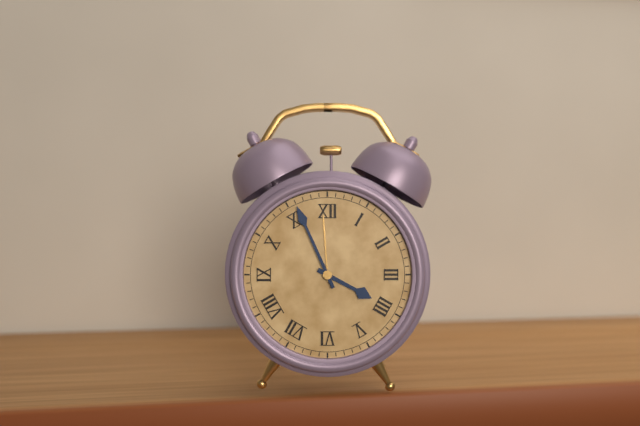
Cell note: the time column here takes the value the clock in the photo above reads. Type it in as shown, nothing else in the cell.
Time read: 3:56
